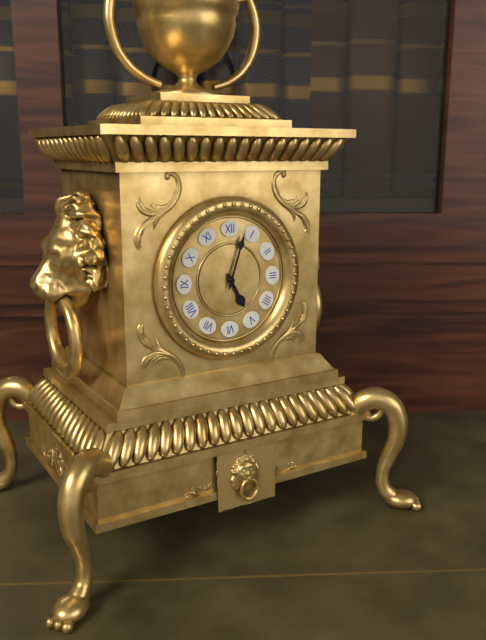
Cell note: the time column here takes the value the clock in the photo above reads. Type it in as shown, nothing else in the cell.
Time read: 5:03
